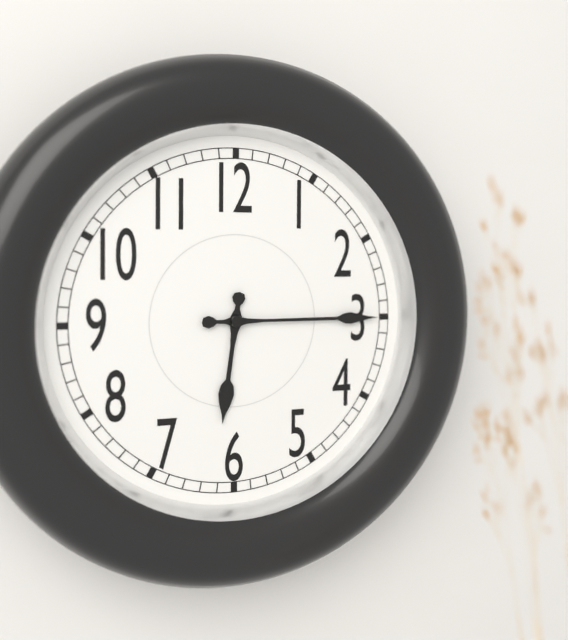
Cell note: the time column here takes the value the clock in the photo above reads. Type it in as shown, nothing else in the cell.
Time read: 6:15
